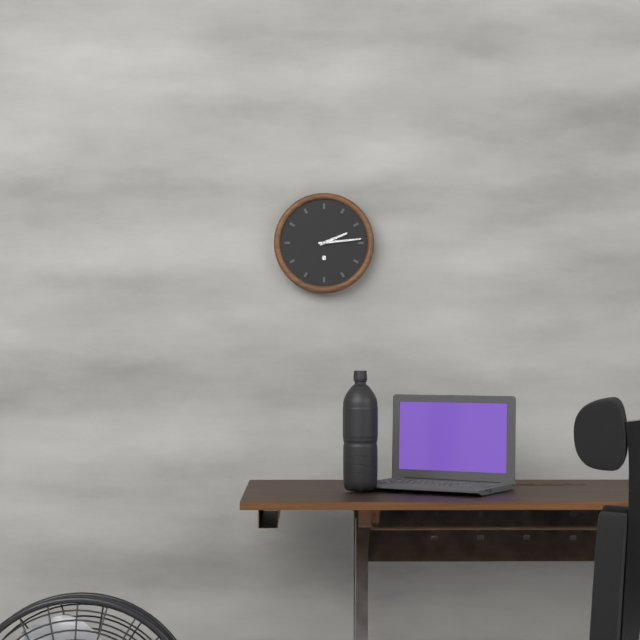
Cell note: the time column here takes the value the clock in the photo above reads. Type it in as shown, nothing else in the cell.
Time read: 2:14
